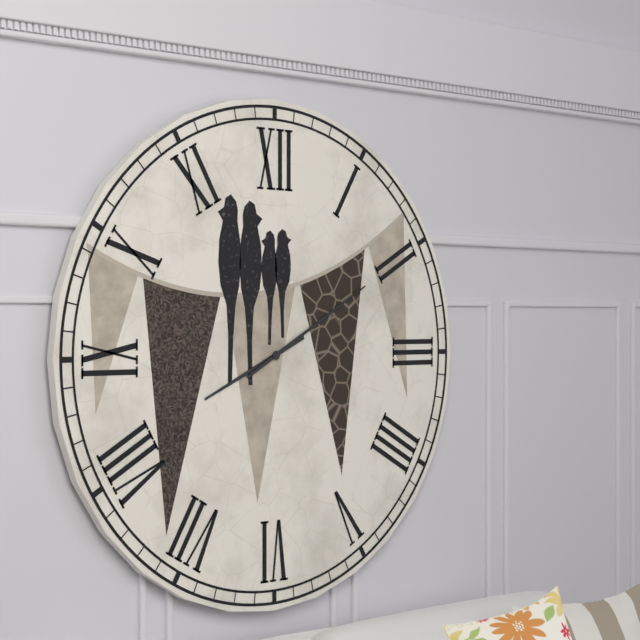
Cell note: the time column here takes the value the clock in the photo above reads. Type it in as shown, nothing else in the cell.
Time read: 8:10
